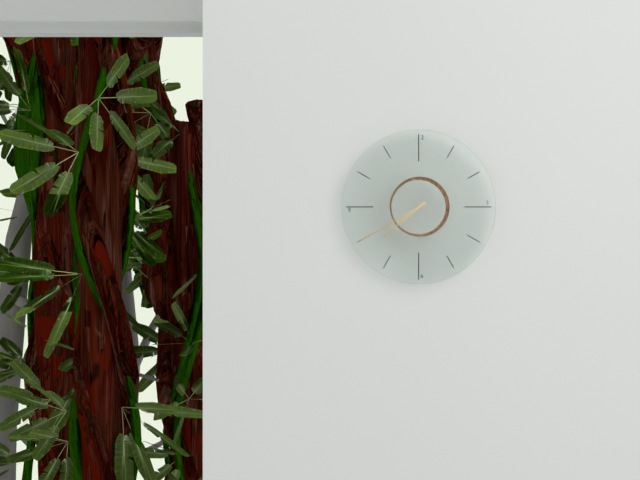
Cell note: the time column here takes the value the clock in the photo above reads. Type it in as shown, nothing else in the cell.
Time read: 7:40
